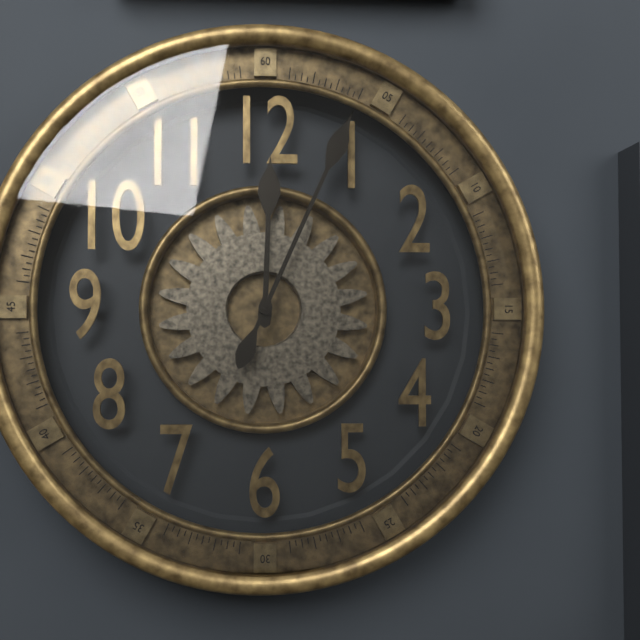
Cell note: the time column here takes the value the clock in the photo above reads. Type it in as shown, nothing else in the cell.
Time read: 12:04
